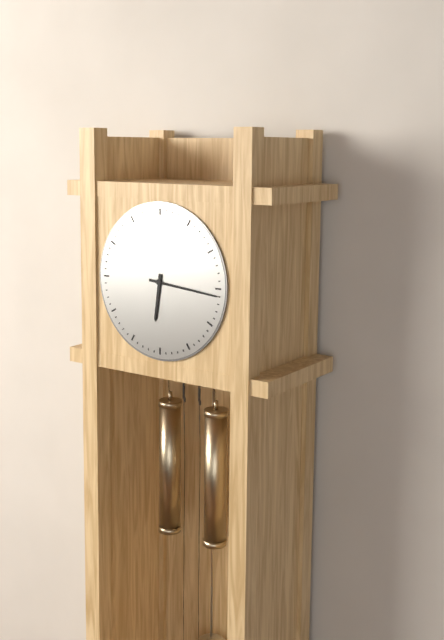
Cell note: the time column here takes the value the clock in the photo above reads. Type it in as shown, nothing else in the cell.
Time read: 6:16
